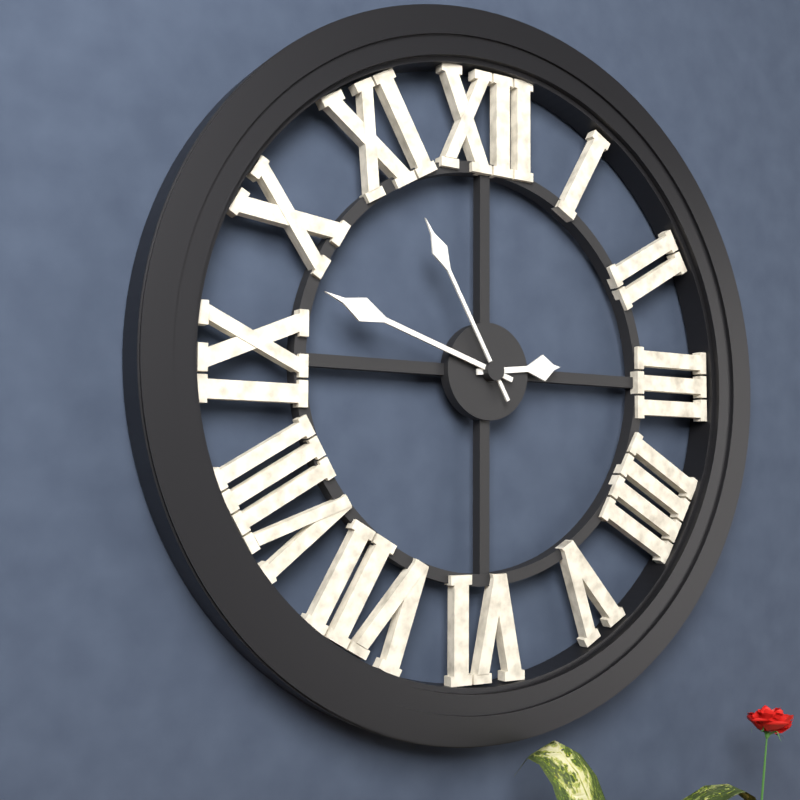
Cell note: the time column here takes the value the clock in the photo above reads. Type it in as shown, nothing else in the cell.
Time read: 2:48:55
